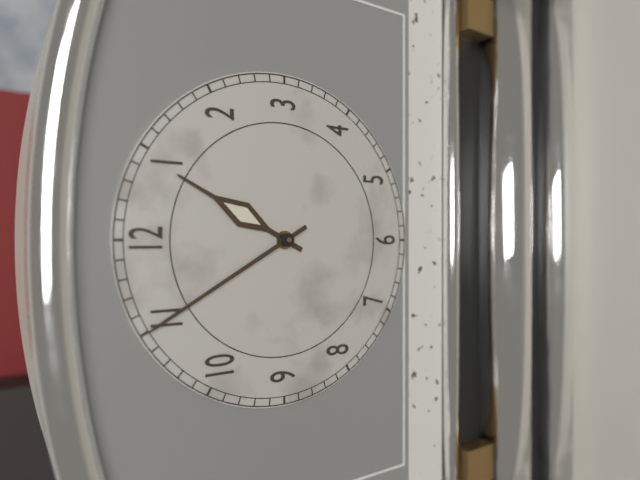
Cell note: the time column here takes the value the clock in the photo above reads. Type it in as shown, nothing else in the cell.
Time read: 12:55
